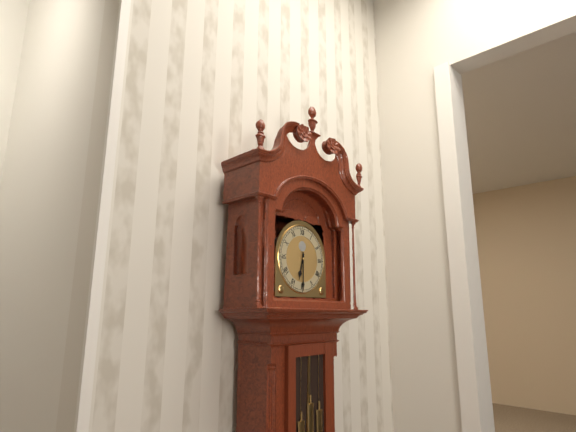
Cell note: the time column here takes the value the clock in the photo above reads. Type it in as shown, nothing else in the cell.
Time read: 6:30
